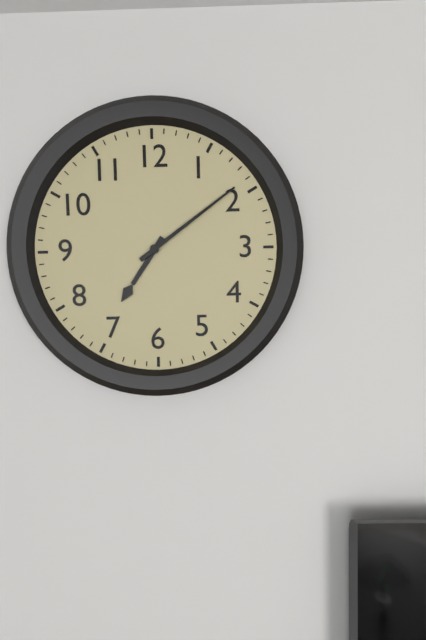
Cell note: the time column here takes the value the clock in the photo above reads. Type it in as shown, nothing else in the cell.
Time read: 7:09
